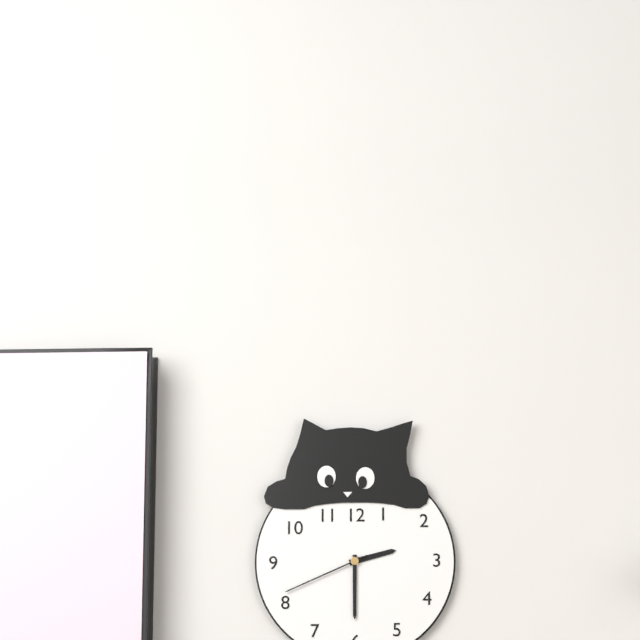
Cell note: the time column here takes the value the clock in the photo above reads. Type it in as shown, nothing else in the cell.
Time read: 2:30:41
